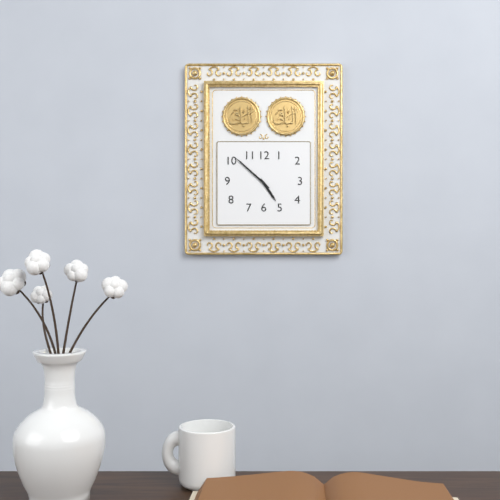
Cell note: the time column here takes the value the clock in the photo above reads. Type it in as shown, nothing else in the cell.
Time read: 4:52
